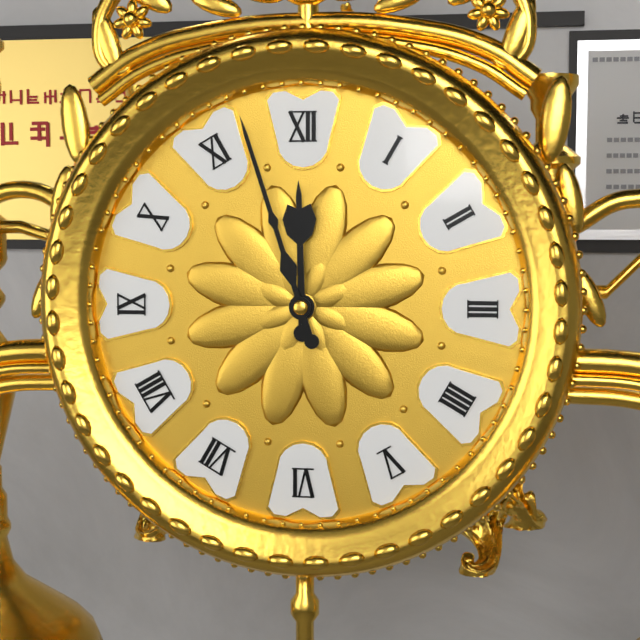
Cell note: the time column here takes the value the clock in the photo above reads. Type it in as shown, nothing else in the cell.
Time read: 11:57
